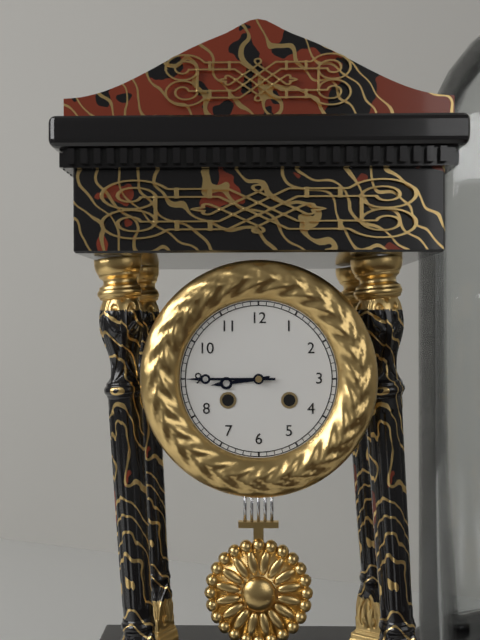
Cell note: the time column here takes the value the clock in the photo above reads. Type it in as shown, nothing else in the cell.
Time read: 8:45
